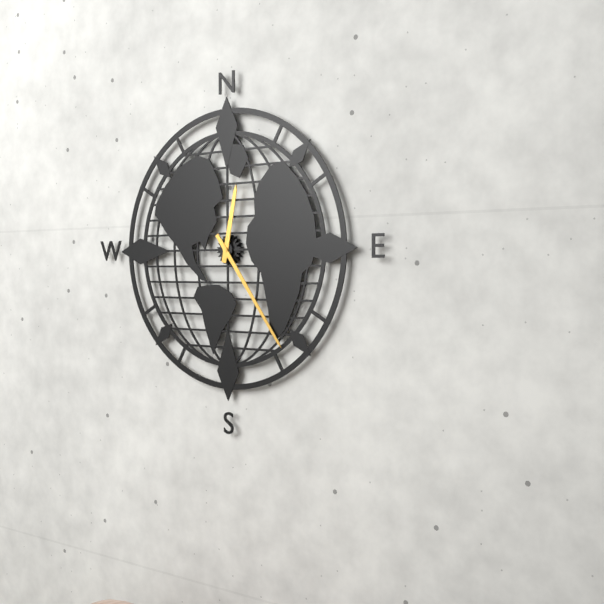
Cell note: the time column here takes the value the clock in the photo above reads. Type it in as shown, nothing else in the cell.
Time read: 12:24
